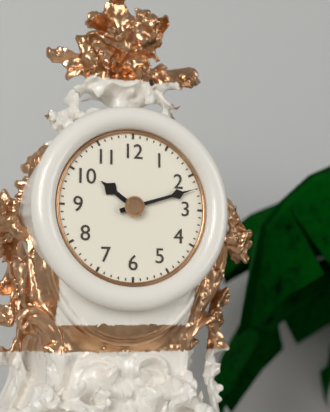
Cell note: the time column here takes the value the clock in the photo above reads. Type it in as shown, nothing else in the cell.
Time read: 10:12
